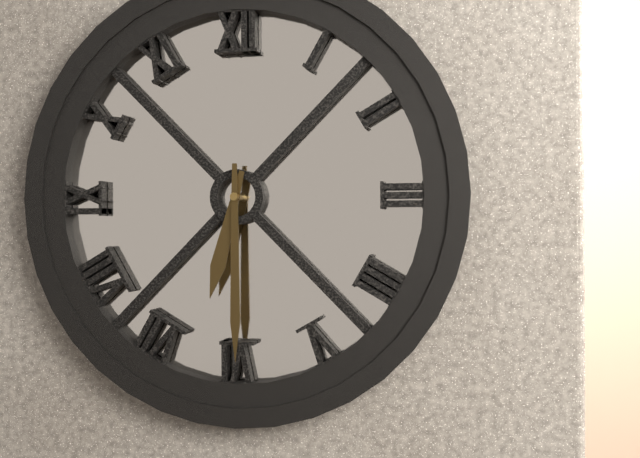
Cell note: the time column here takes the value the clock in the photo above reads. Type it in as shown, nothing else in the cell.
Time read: 6:30
